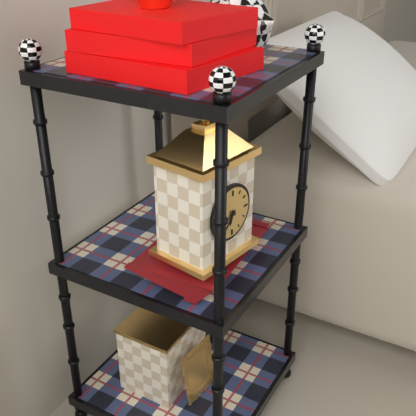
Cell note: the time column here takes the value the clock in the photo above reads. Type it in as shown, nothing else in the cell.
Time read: 6:37
